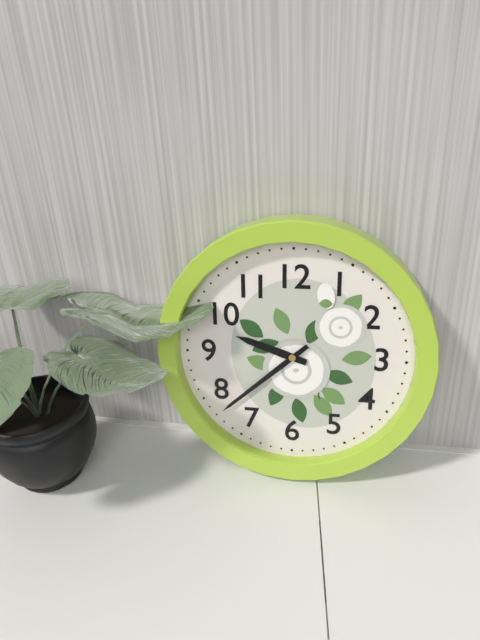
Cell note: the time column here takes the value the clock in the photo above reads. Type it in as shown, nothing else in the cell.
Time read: 9:38
